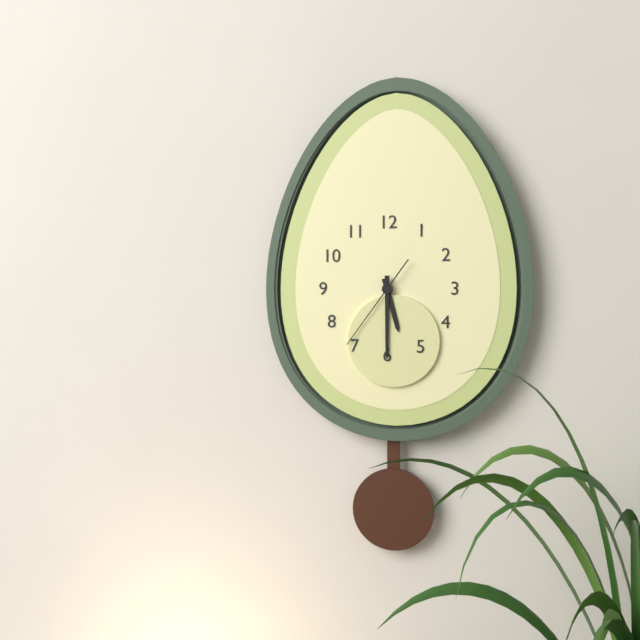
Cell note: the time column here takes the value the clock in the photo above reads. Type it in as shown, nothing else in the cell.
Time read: 5:30:36
